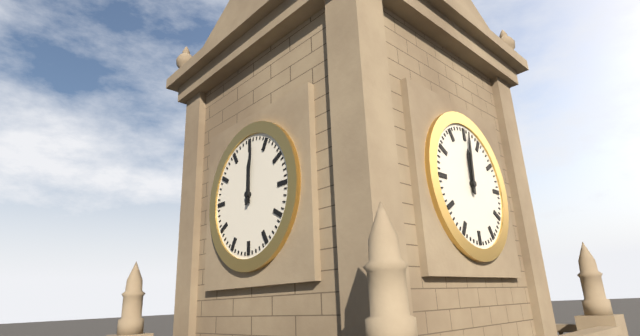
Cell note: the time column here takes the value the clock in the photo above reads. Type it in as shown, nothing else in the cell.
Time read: 12:01
